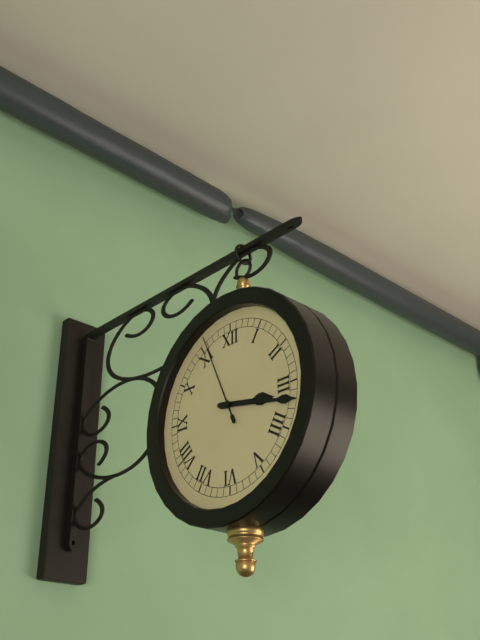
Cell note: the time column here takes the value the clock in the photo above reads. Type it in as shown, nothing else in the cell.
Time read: 3:17:56
